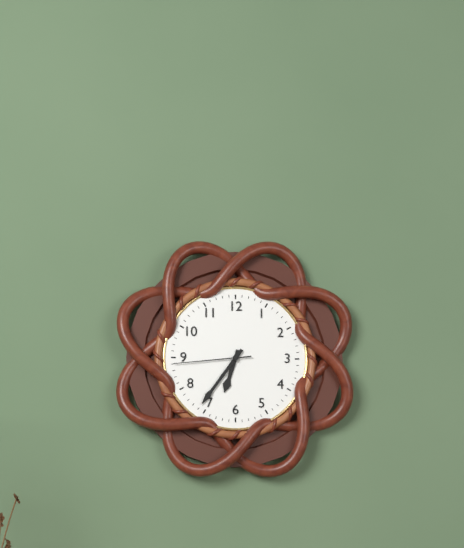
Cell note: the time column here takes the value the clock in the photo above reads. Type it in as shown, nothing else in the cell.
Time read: 6:36:44
